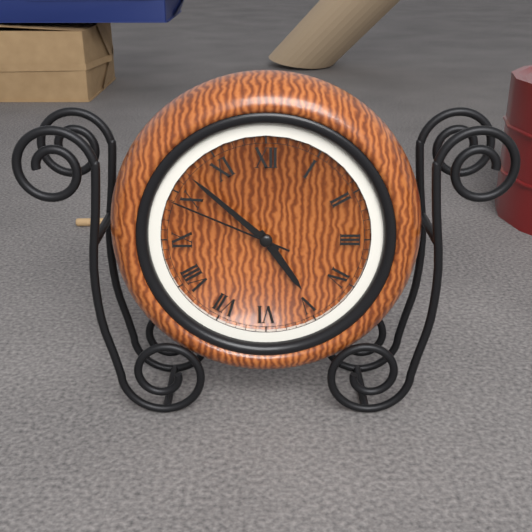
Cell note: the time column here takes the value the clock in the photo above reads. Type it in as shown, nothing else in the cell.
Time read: 4:52:49
